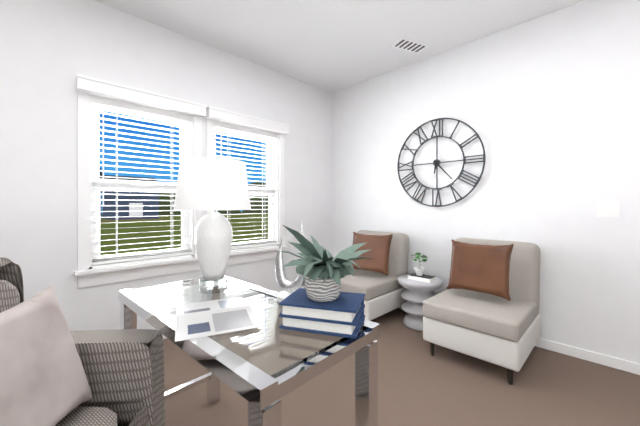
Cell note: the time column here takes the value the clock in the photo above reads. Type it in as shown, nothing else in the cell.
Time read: 6:23
